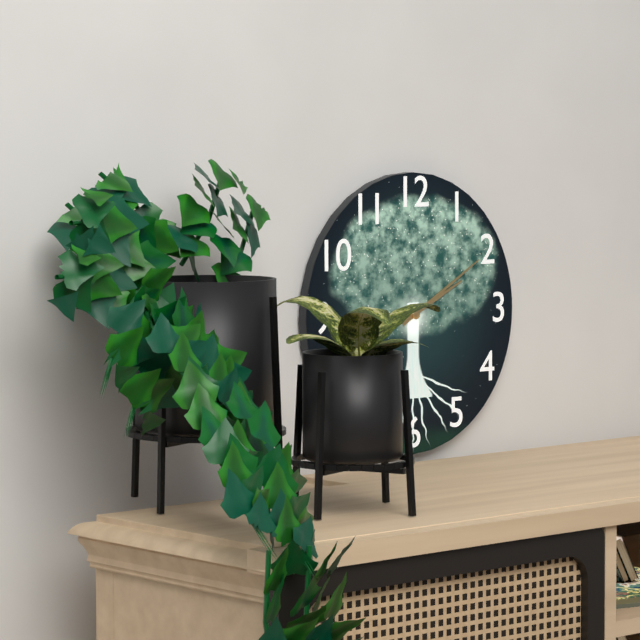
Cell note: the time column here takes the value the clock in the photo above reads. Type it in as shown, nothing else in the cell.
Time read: 2:10
